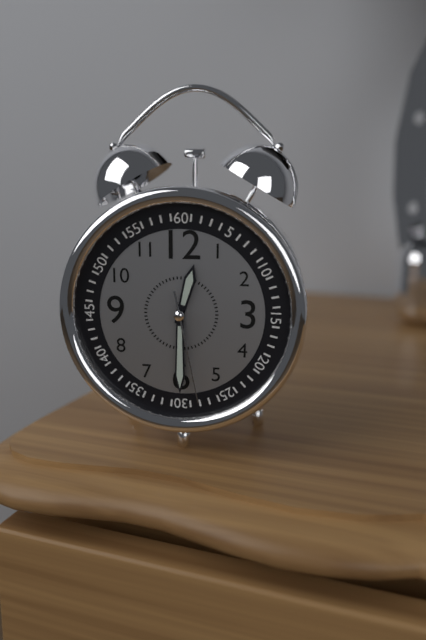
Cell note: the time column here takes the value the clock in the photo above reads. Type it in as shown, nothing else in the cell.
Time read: 12:30:28
